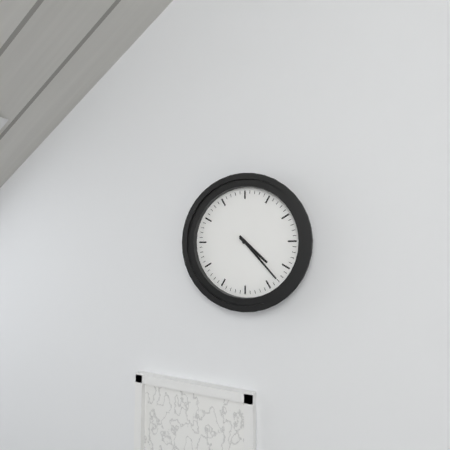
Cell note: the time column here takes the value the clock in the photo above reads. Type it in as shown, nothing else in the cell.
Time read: 4:23
